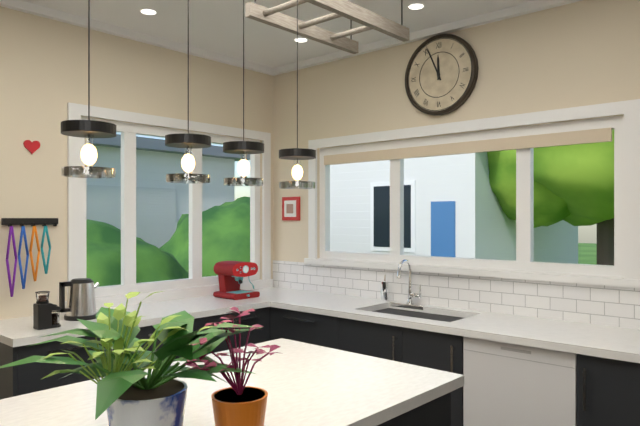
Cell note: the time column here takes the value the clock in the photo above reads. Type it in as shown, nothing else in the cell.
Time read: 11:56
